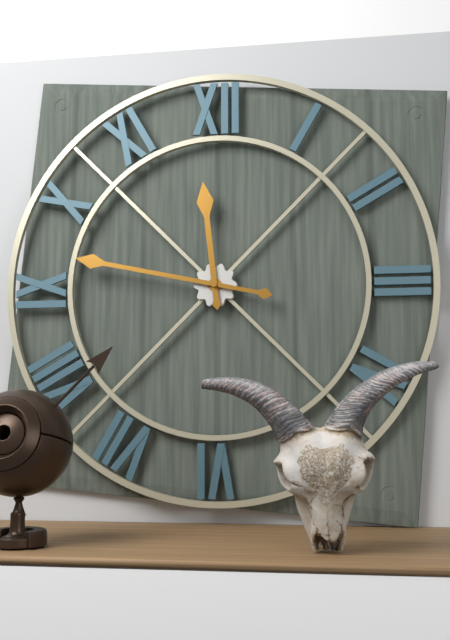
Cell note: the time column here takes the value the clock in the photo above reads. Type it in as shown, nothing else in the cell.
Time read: 11:47
